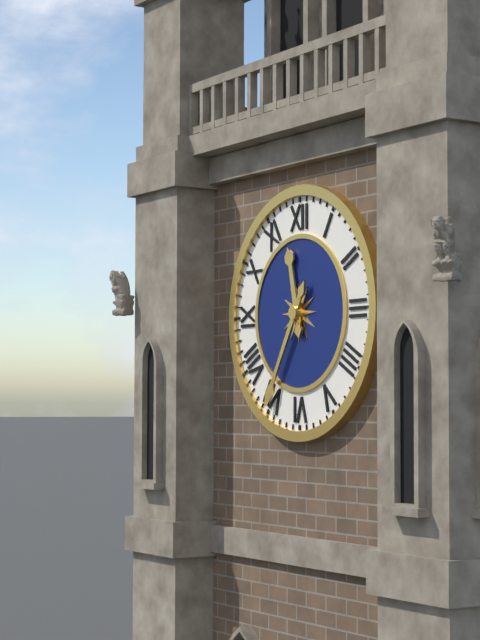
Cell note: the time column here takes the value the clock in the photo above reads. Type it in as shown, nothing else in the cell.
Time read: 11:35
